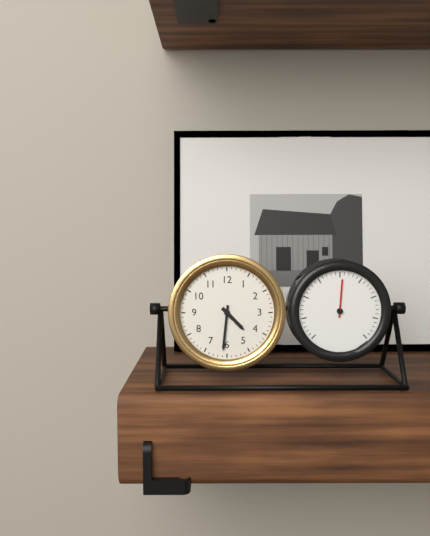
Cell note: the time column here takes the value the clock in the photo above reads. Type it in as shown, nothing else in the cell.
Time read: 4:31
